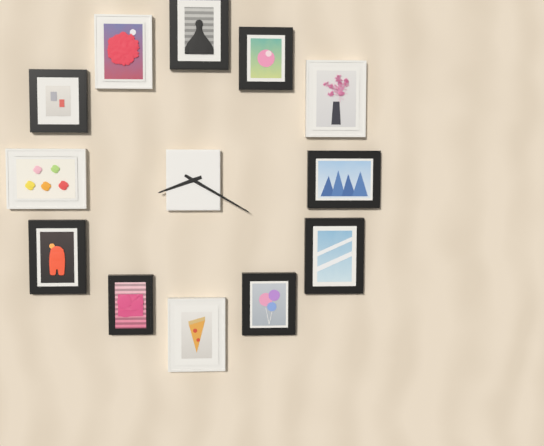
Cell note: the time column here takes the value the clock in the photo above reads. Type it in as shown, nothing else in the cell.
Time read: 8:20
